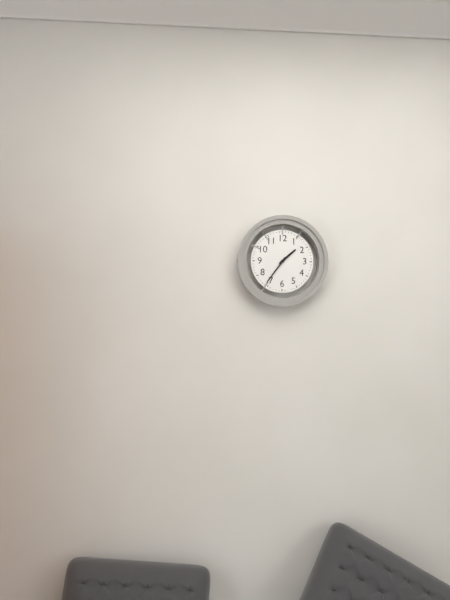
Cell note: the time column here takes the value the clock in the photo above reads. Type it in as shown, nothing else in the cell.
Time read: 1:36
